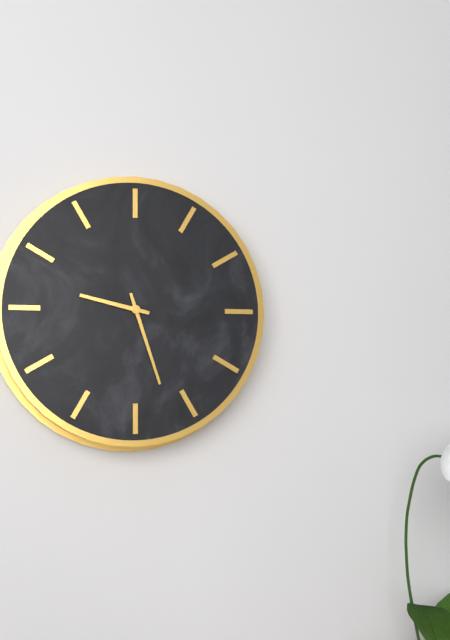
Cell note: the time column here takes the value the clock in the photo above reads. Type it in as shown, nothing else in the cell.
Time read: 9:27
